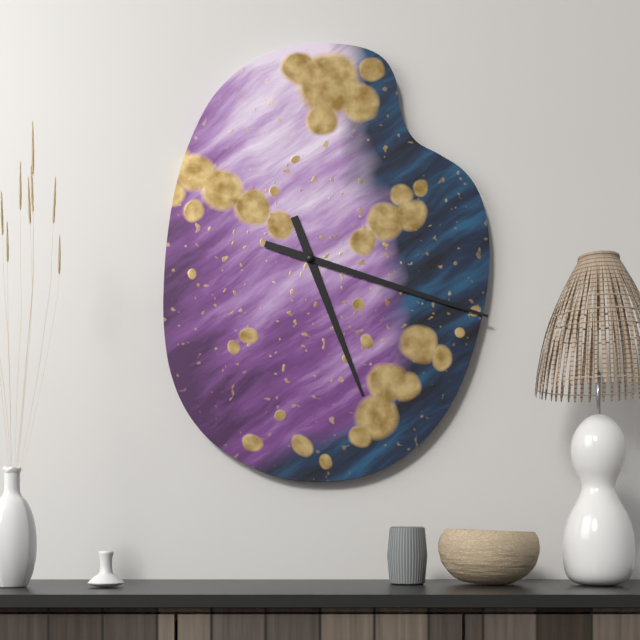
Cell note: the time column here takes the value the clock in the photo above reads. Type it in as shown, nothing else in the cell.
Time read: 5:18
